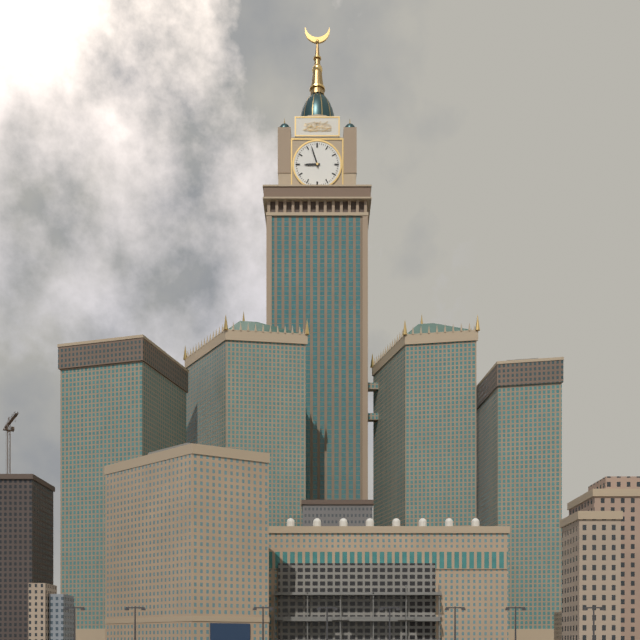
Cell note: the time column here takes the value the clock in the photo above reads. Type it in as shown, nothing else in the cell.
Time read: 8:57
